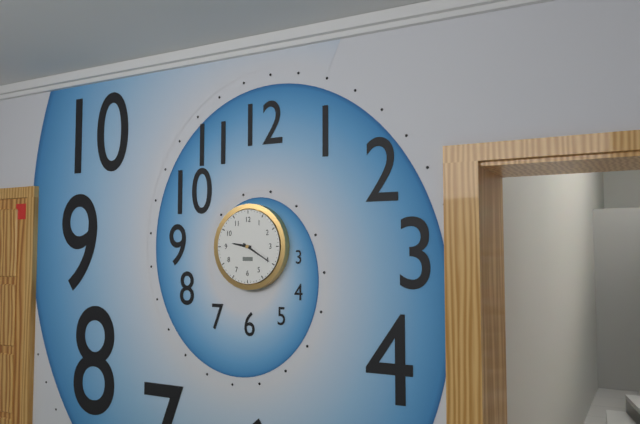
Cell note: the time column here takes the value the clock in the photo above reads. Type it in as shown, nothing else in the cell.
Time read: 9:20
